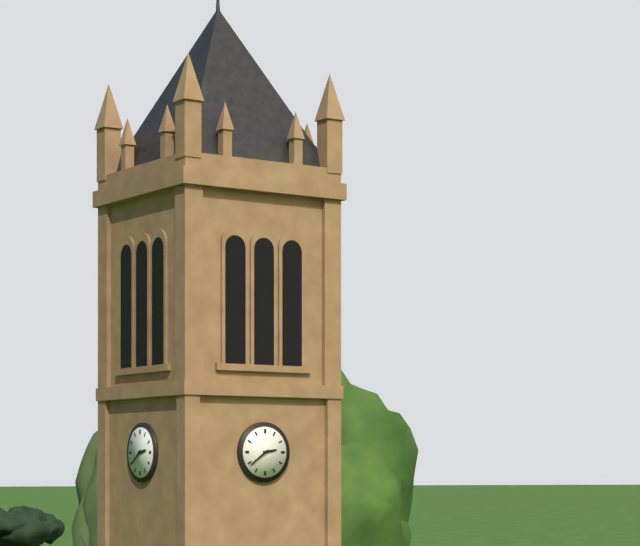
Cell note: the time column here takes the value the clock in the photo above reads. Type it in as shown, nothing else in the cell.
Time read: 2:39
